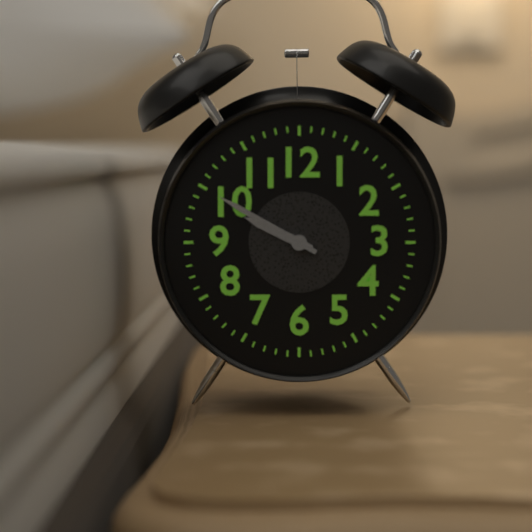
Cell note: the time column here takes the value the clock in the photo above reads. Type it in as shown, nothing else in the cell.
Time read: 9:50
